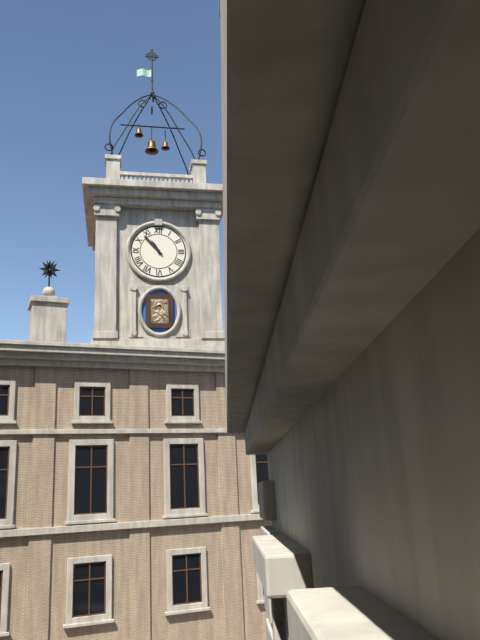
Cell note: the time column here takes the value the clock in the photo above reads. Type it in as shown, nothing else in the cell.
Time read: 10:53
